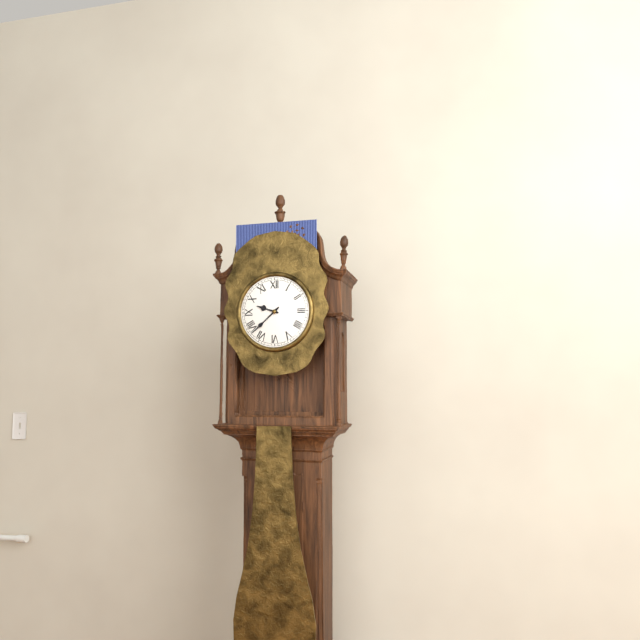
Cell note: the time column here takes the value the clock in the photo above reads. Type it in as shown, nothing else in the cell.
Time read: 9:38
